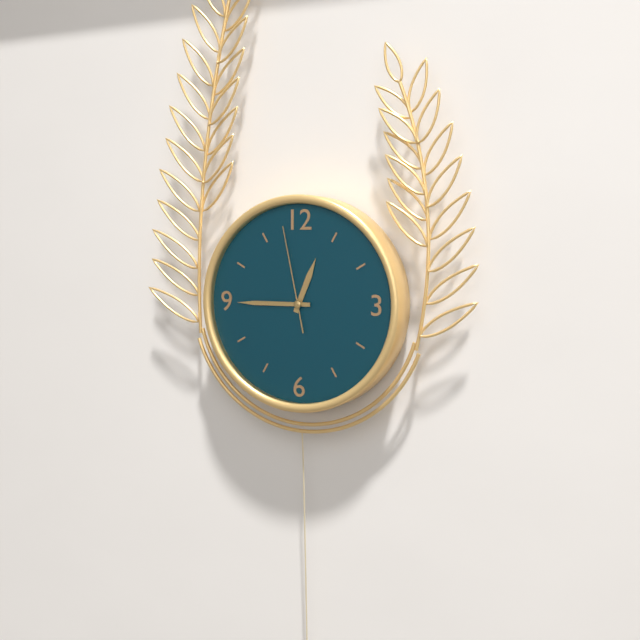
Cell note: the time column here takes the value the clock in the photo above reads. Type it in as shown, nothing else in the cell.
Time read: 12:45:58
